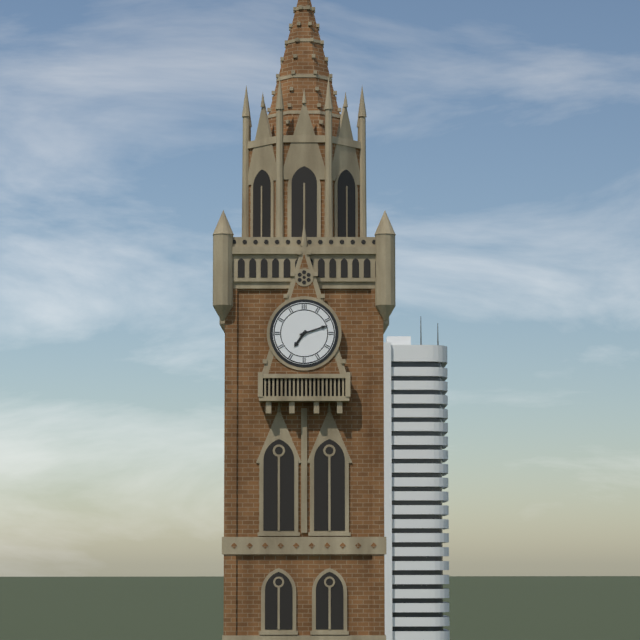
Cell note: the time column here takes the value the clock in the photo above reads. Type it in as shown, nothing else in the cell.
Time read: 7:12
